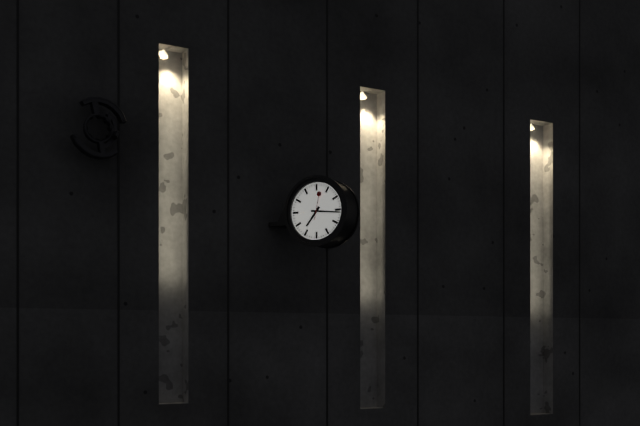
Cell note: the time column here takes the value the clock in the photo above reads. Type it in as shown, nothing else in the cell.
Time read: 7:16
